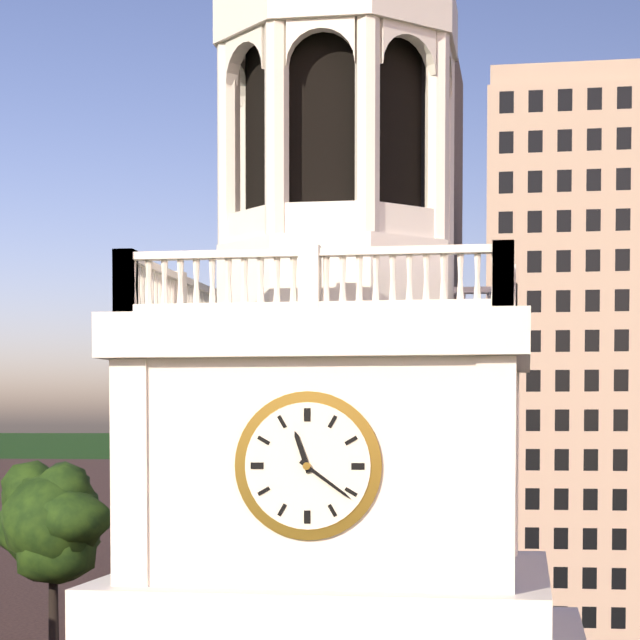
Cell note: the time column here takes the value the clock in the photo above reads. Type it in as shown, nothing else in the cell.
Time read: 11:21
